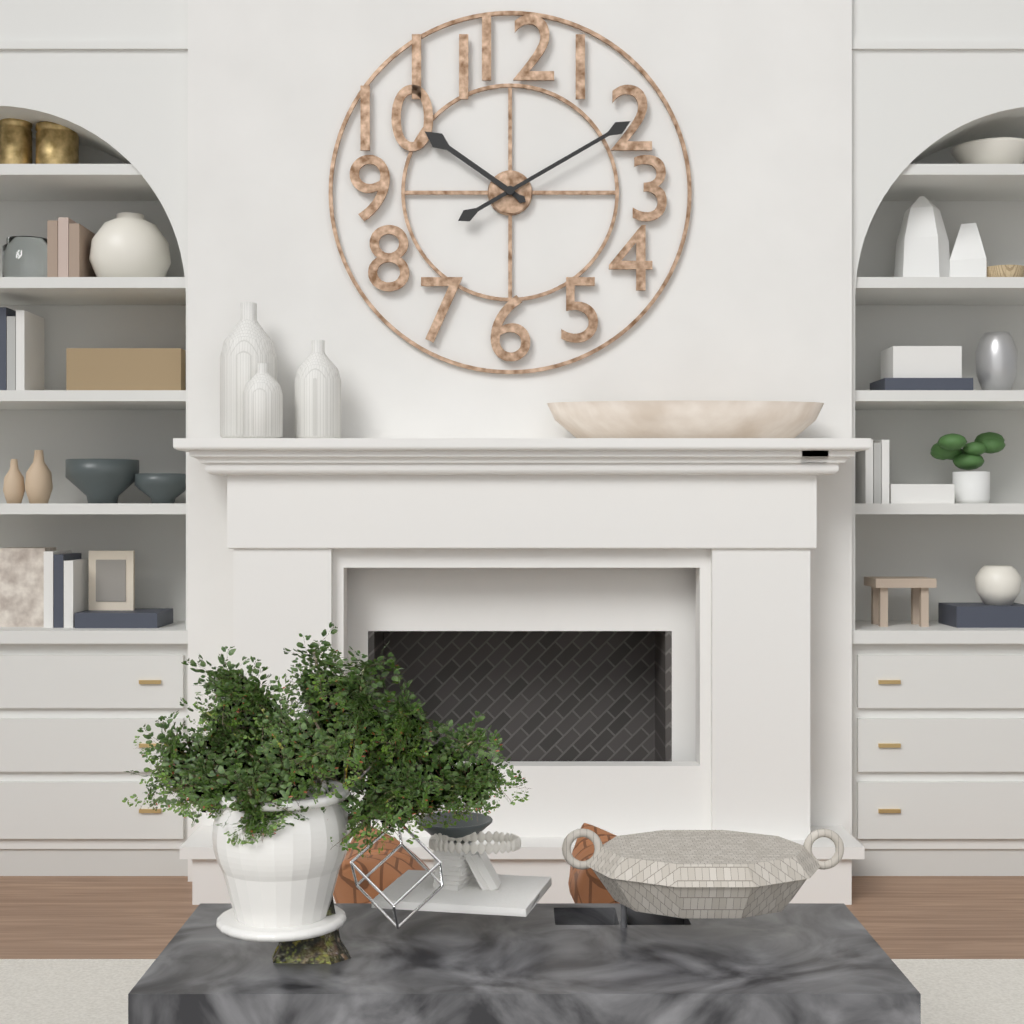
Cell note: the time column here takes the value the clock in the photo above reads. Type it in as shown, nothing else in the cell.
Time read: 10:10
